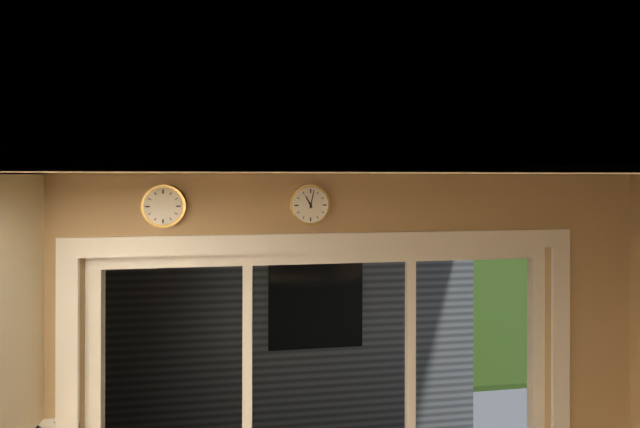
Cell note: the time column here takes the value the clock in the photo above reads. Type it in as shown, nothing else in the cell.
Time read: 11:02
